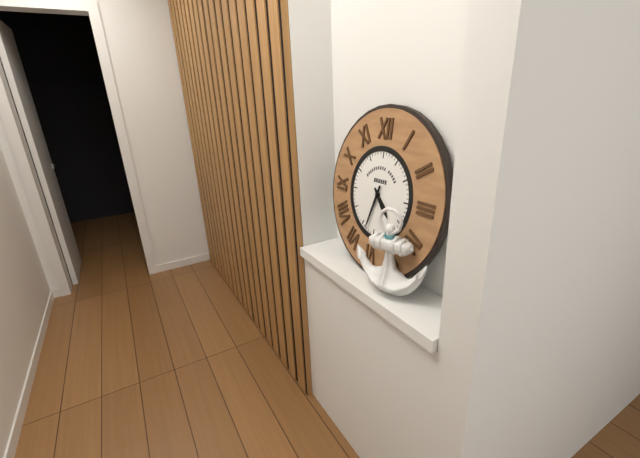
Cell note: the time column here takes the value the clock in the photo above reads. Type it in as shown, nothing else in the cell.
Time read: 4:33
